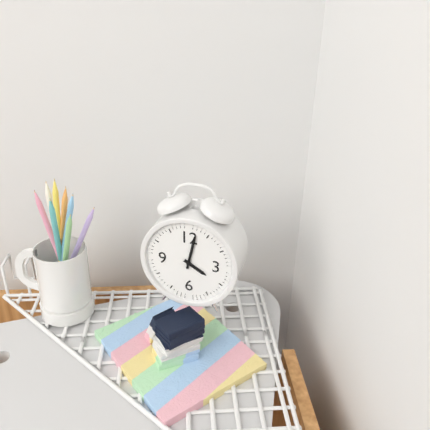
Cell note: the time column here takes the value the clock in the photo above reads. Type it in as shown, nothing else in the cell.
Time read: 4:02
